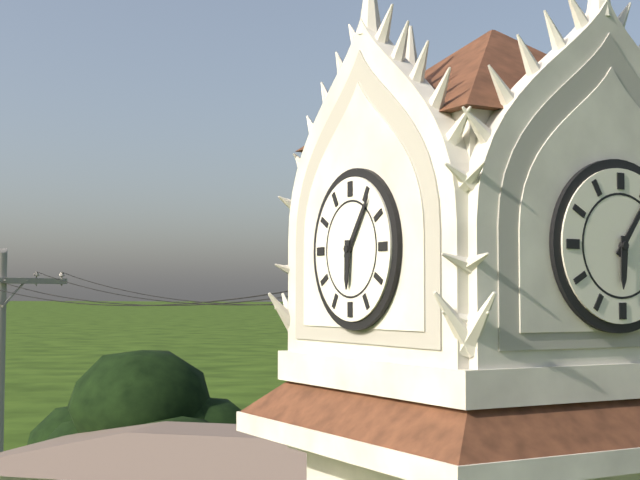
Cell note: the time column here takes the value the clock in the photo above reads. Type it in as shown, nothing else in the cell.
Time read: 6:06
